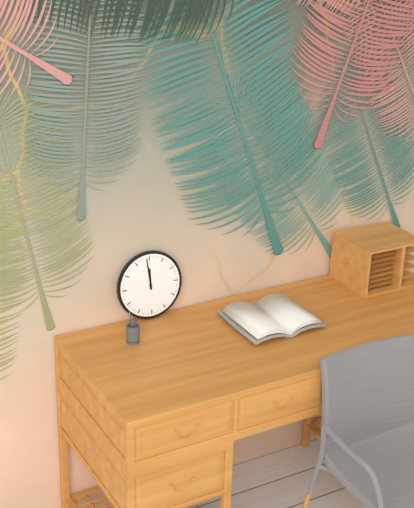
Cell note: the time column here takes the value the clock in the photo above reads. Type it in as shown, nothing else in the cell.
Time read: 11:59
